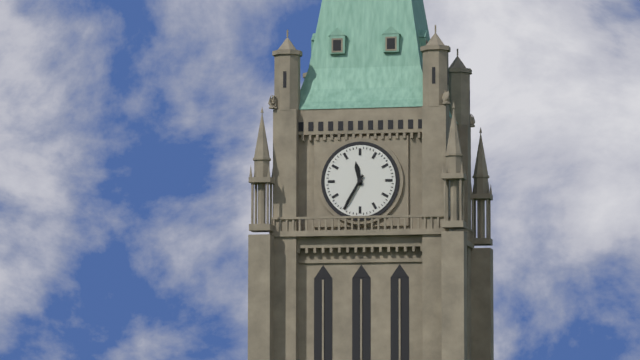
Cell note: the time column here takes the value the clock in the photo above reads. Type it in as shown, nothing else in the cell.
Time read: 11:35
